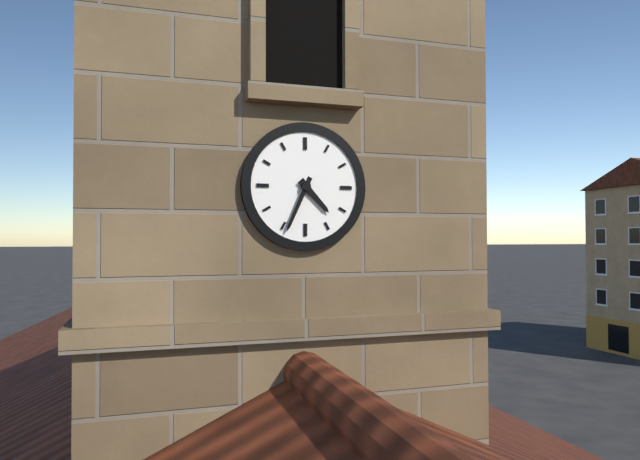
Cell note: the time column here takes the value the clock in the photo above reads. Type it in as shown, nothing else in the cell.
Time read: 4:34
